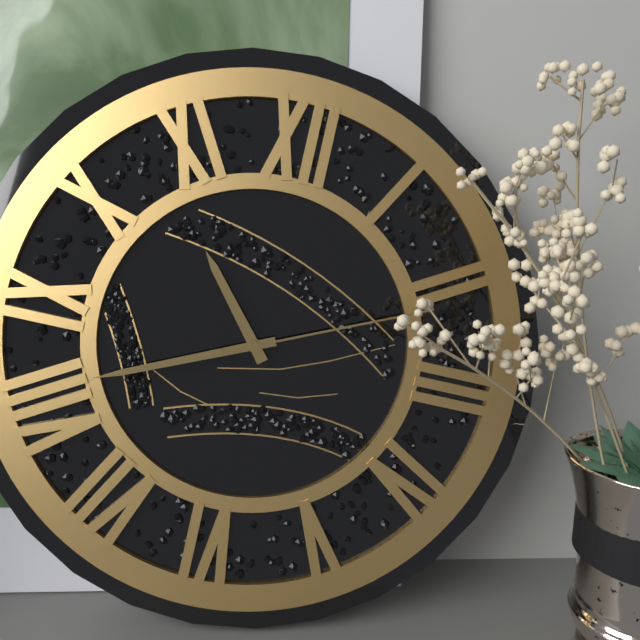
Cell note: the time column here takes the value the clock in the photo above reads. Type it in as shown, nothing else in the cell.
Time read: 10:41:11
